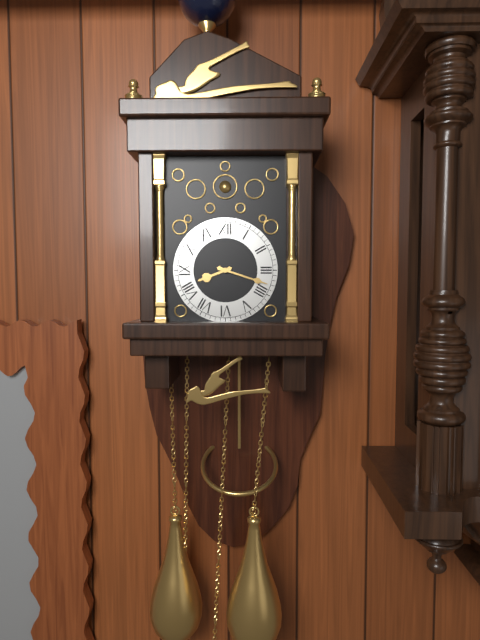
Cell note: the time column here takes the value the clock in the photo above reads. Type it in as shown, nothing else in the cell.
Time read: 8:18
